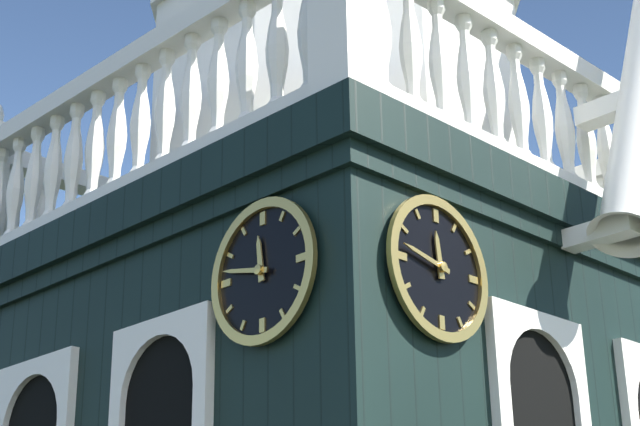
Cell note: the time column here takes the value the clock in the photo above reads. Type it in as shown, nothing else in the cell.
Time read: 11:47
